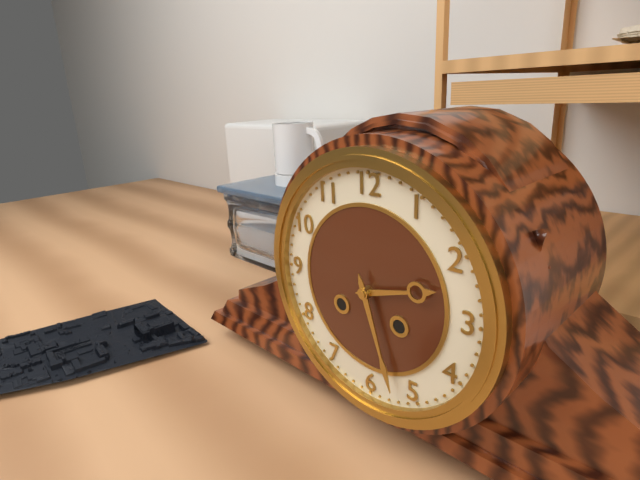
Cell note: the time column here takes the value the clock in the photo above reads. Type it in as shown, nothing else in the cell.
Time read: 2:27
